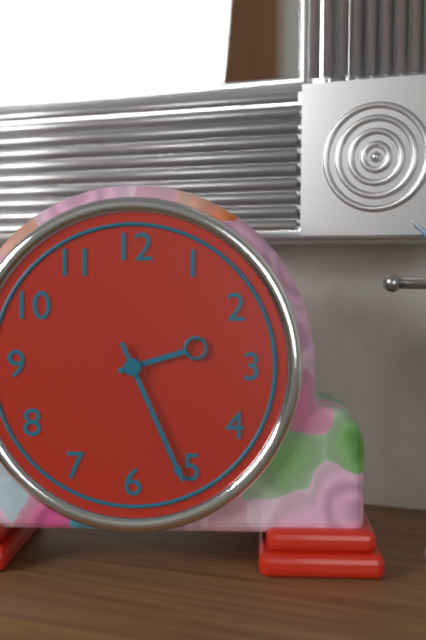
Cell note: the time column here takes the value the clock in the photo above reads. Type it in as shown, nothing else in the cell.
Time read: 2:26
